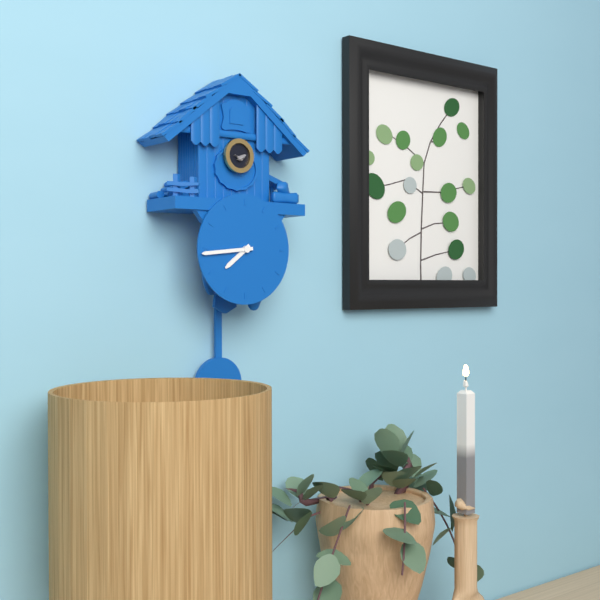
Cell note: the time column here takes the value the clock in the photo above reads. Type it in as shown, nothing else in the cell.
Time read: 7:44
